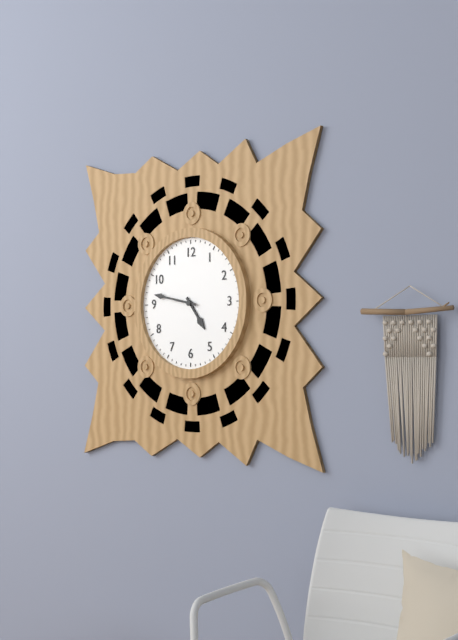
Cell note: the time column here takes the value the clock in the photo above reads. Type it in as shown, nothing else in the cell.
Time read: 4:47
